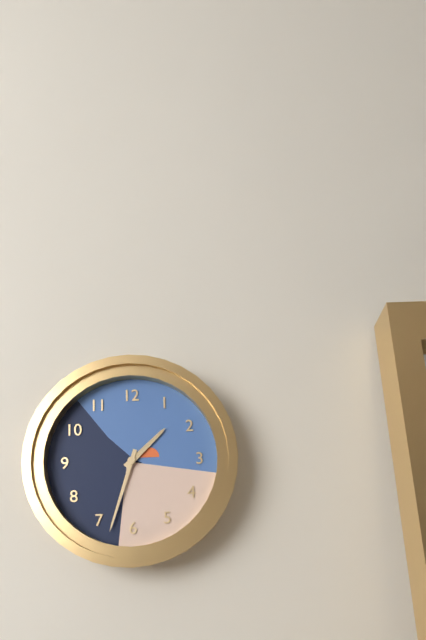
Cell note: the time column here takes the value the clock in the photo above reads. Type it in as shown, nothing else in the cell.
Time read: 1:33
